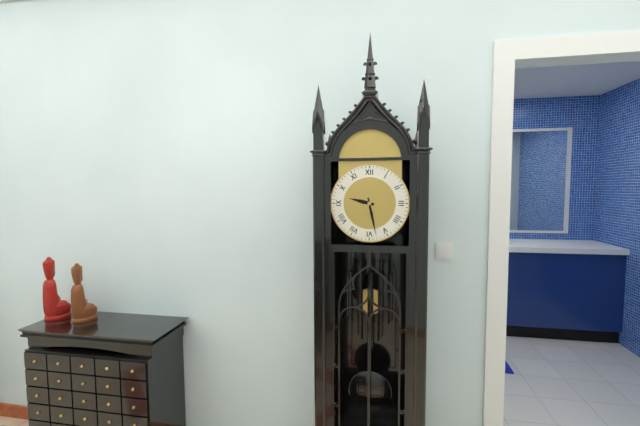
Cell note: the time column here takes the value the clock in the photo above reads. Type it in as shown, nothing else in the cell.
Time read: 9:28
